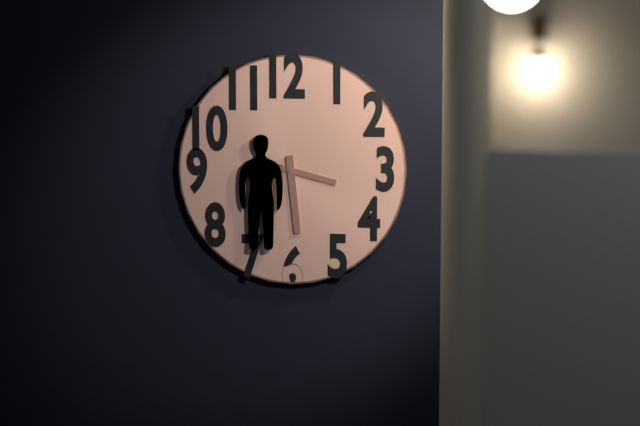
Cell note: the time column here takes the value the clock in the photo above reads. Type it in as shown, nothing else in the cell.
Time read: 3:29
